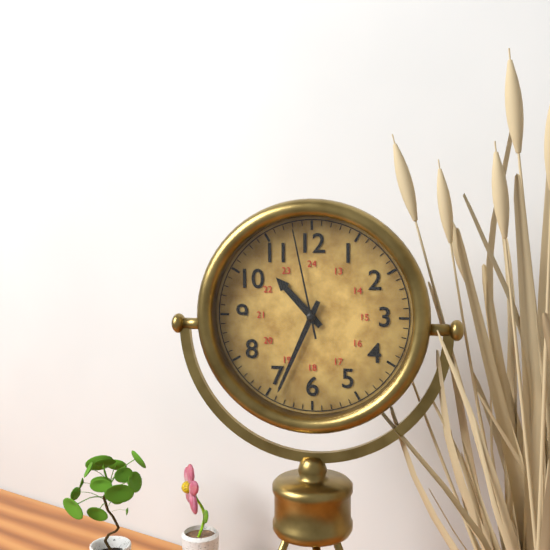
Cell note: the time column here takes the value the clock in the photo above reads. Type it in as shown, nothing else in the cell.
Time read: 10:34:58
